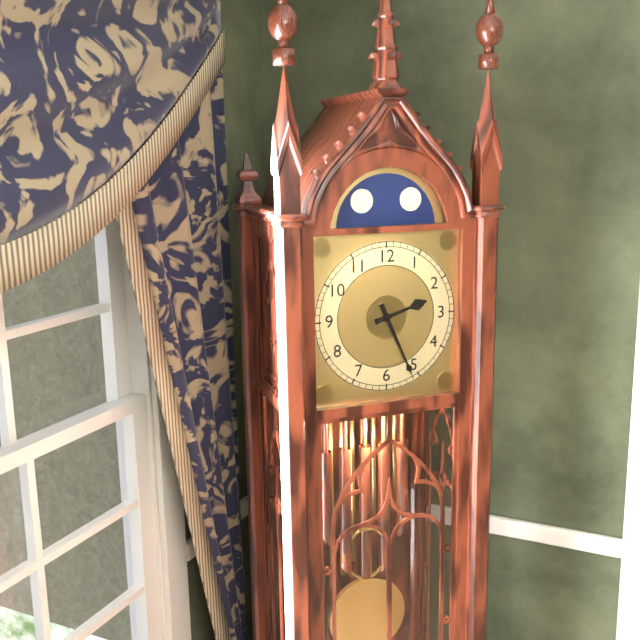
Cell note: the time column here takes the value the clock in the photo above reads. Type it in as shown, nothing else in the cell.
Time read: 2:26
